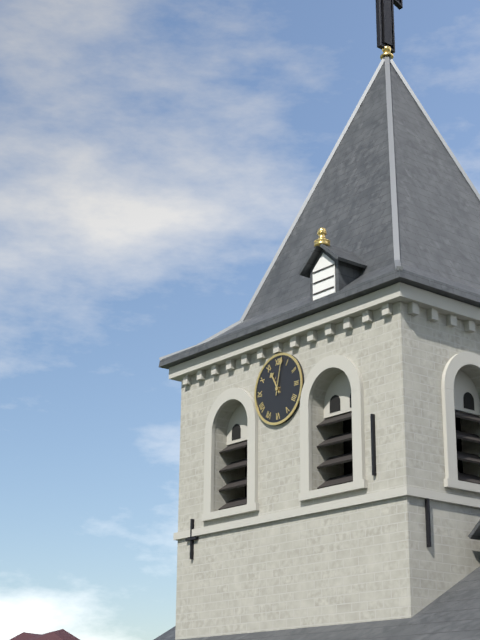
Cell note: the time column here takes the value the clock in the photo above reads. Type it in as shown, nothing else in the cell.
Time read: 11:02
